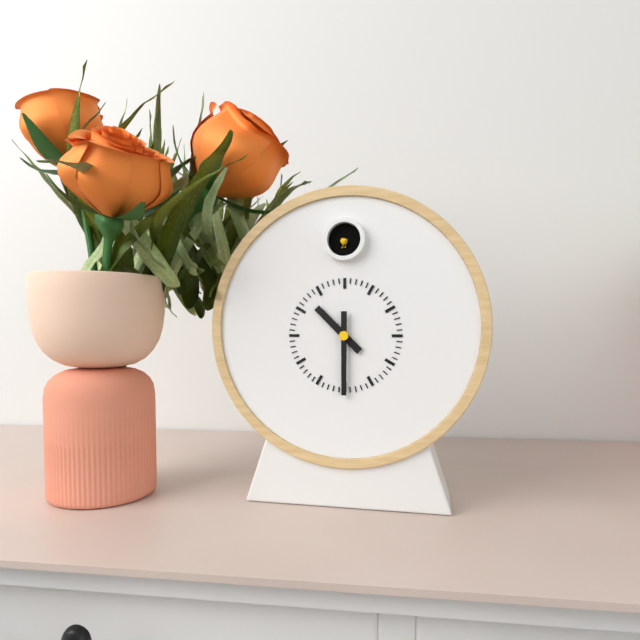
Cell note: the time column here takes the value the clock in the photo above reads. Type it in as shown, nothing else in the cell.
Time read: 10:30
